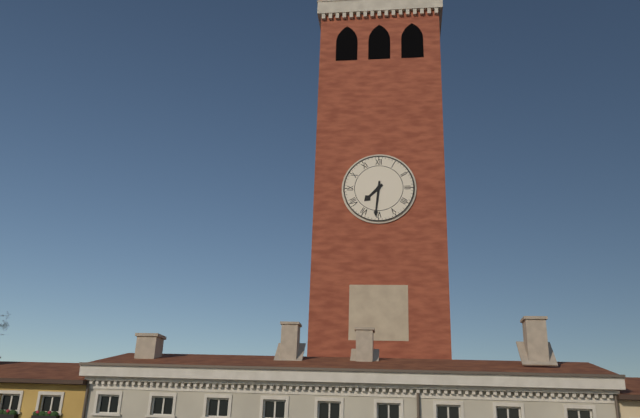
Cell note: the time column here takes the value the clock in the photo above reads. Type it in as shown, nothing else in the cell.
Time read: 7:31
